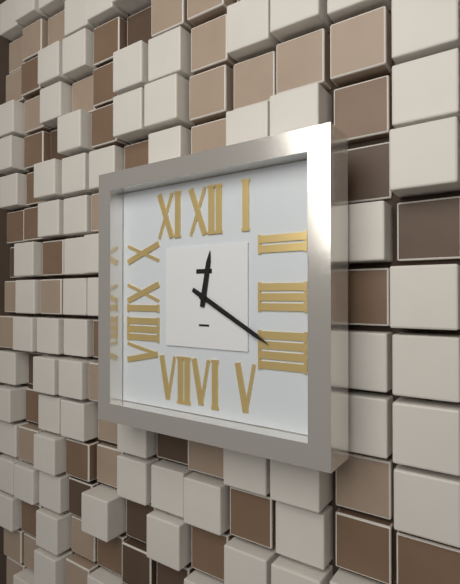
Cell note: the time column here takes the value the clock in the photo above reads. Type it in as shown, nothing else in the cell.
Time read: 12:20
